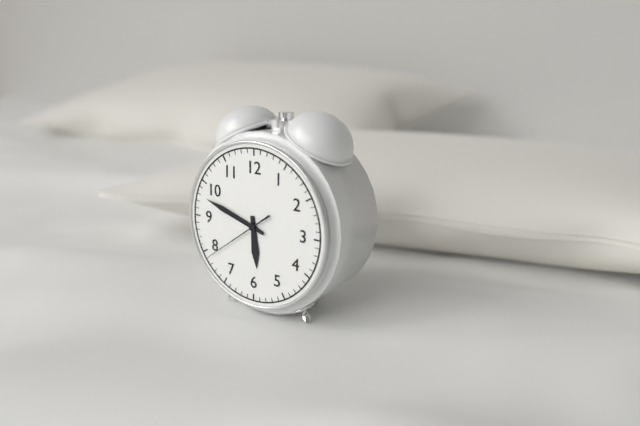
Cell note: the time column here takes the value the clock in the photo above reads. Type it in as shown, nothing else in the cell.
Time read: 5:48:39
